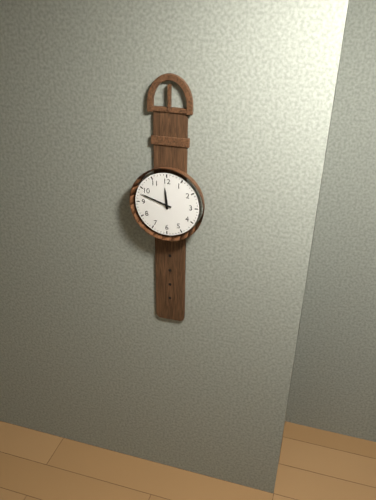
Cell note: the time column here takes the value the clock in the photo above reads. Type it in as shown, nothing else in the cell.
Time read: 11:48
